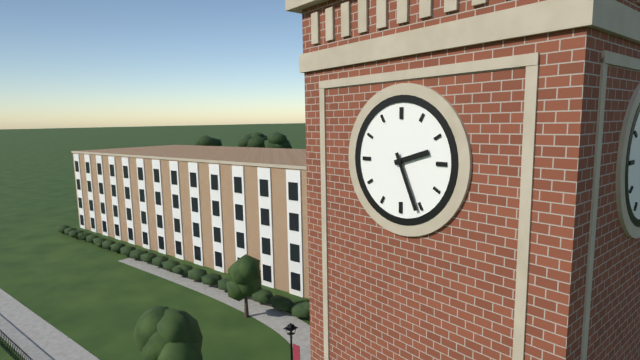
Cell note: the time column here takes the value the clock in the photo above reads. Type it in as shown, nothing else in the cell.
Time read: 2:26
